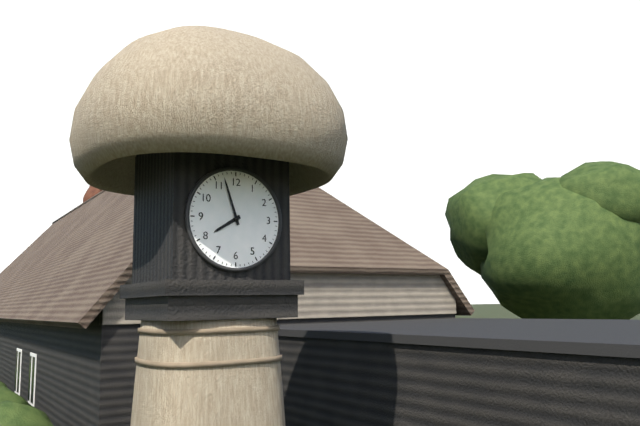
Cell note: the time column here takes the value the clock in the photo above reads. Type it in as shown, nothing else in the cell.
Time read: 7:57
